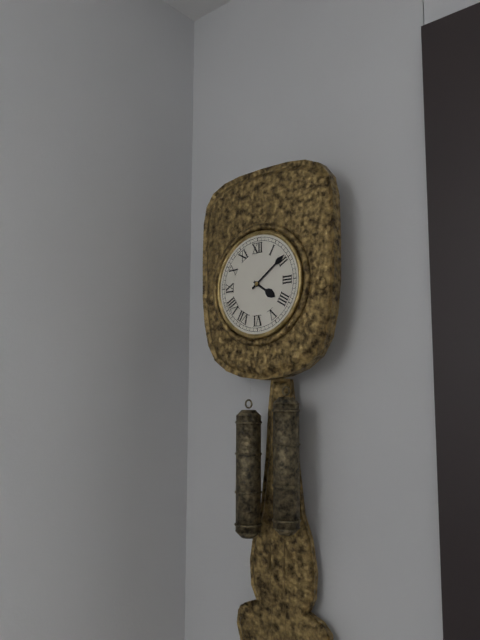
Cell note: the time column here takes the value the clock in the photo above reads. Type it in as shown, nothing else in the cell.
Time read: 4:09
